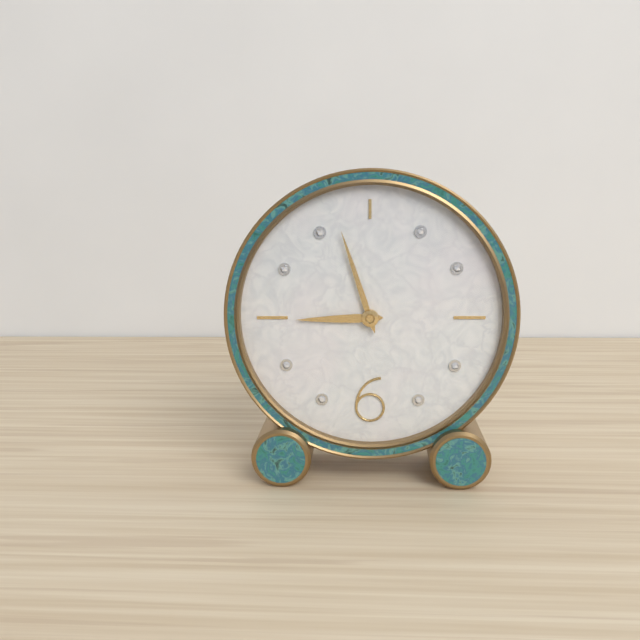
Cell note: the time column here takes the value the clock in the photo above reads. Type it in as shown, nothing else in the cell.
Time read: 8:57
